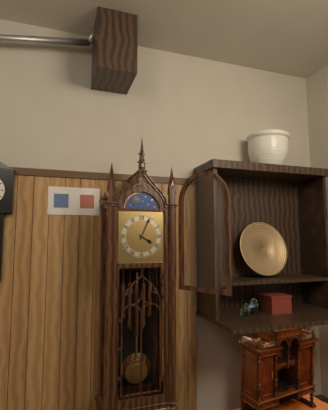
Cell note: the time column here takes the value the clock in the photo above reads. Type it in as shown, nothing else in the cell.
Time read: 4:04
